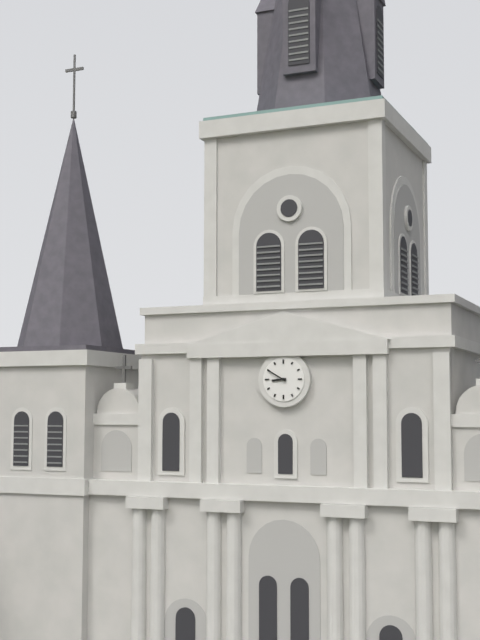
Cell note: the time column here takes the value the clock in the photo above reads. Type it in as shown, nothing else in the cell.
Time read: 8:50
